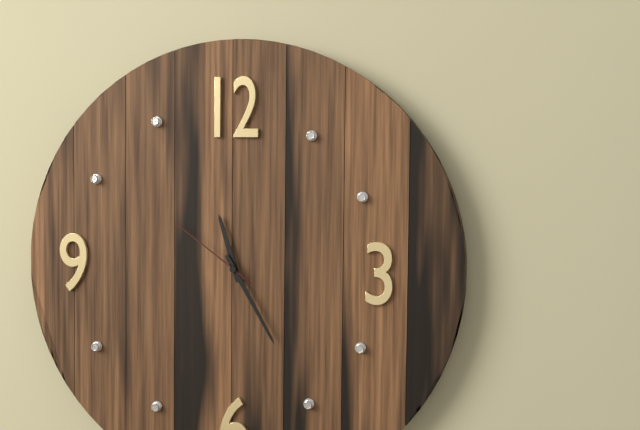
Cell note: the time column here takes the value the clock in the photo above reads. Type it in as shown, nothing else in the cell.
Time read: 11:25:51
